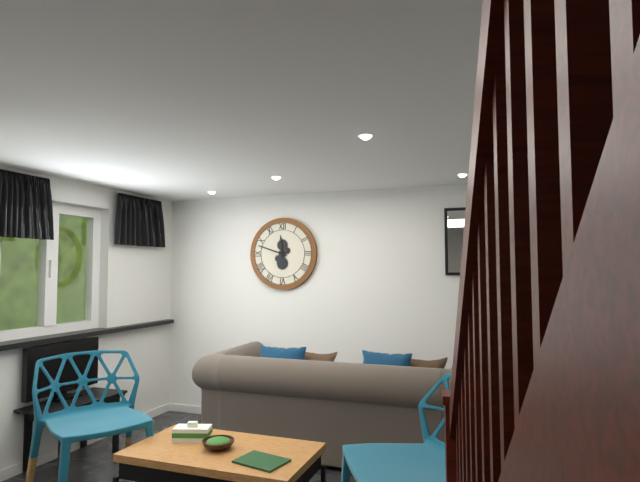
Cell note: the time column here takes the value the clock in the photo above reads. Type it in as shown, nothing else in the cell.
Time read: 11:48
